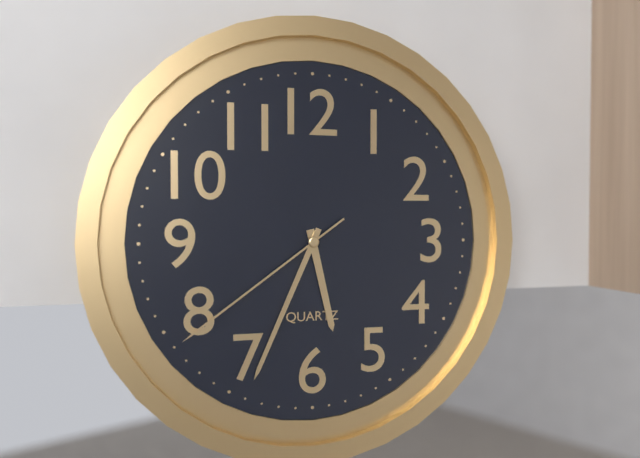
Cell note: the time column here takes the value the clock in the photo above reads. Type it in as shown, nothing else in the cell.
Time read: 5:34:39
